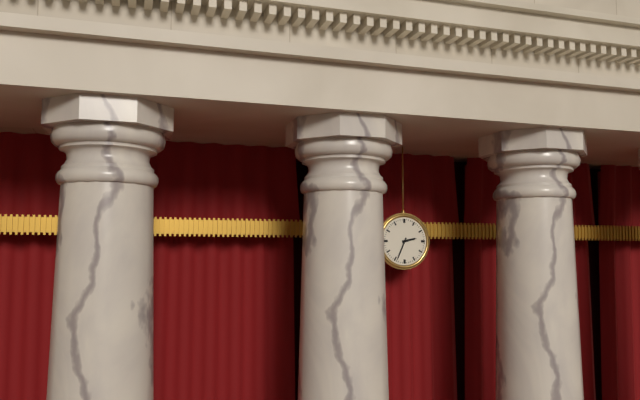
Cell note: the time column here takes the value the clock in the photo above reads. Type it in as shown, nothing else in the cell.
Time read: 2:34
